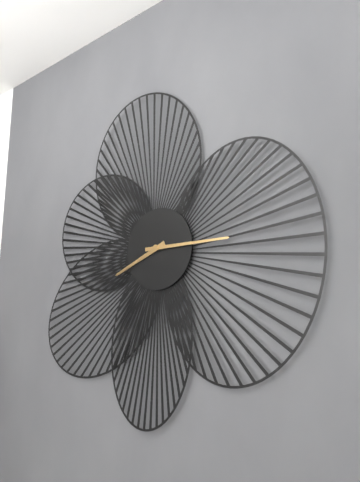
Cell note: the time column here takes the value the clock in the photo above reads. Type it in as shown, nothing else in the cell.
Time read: 8:15
